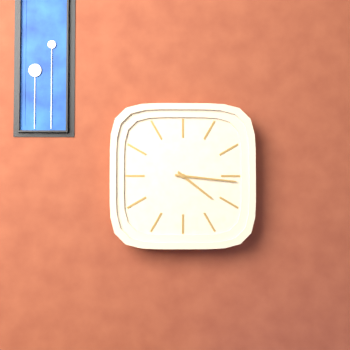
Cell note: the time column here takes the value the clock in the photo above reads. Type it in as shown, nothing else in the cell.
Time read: 4:16
